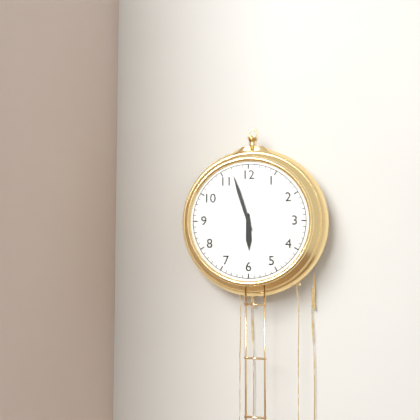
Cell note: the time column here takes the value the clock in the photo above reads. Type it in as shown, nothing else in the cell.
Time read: 5:57
